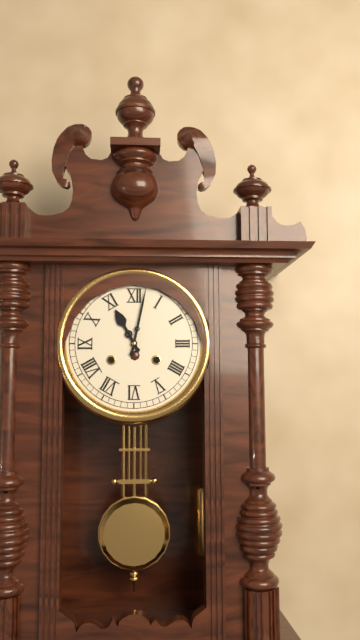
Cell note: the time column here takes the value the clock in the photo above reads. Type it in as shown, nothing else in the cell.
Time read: 11:02
